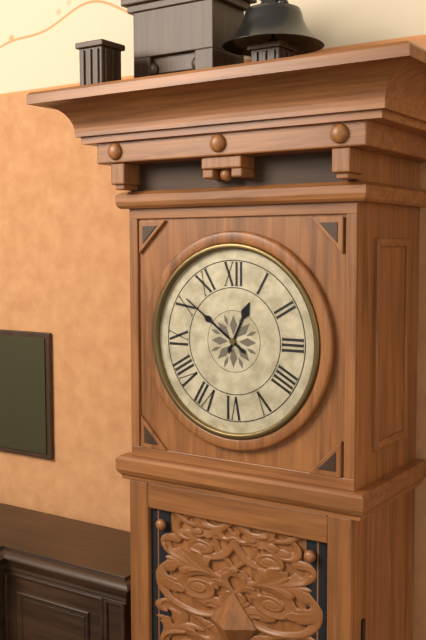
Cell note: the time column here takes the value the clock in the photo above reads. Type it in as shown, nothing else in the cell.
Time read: 12:51
